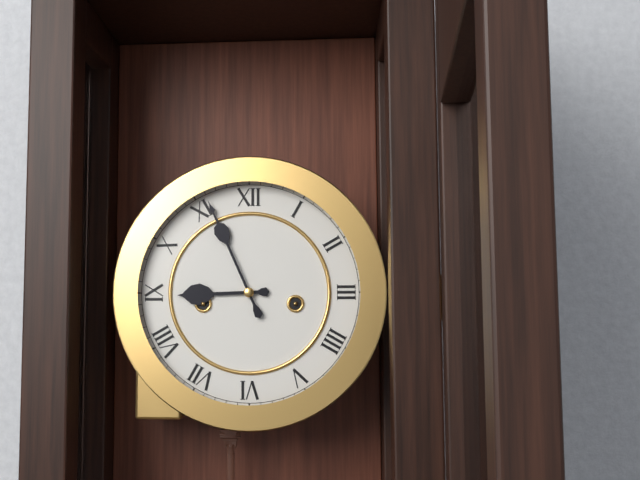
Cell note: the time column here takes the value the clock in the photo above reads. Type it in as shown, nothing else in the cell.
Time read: 8:56
